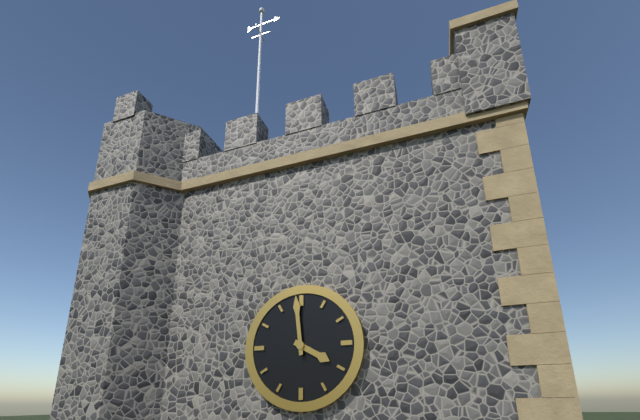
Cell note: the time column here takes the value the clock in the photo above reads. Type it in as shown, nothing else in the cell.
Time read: 3:59
